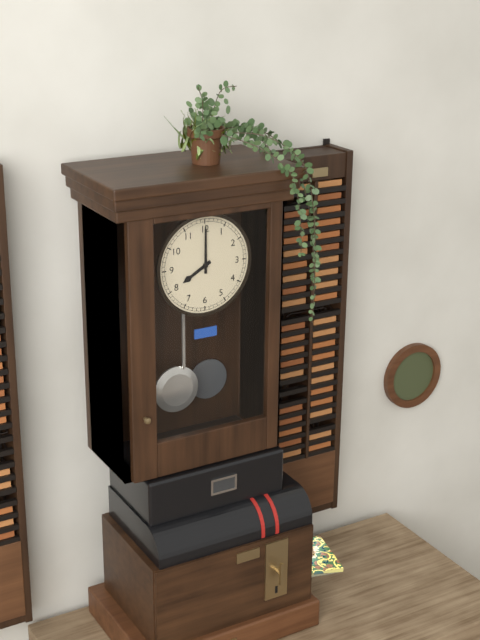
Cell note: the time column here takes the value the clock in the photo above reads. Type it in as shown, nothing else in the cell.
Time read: 8:00
